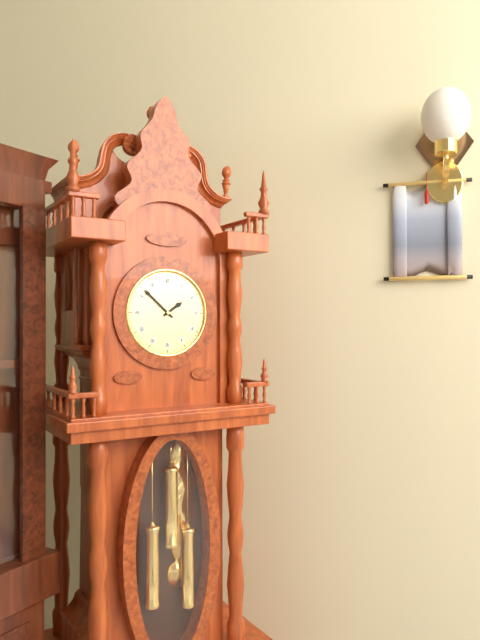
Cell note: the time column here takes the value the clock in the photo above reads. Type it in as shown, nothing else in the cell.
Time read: 1:52
